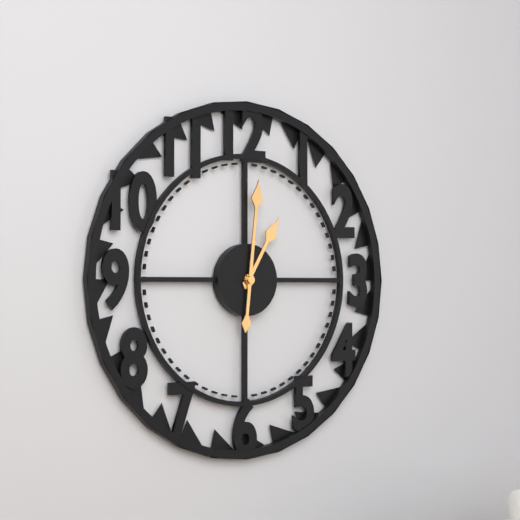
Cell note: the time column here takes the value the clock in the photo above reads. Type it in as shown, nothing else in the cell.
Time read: 1:01
